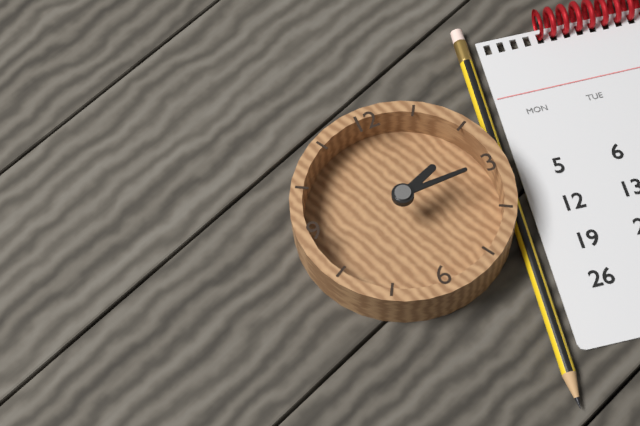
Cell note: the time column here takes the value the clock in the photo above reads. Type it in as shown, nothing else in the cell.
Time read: 2:15
